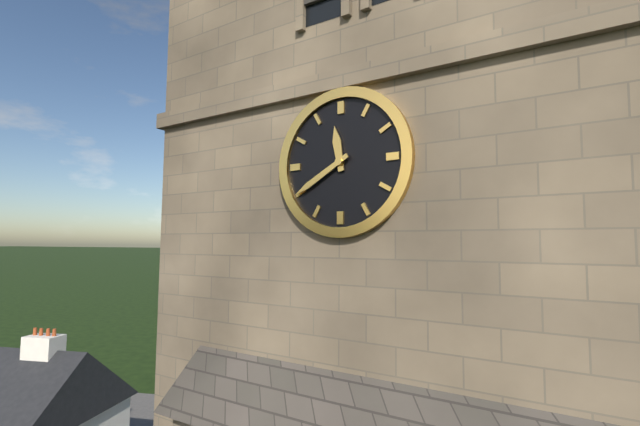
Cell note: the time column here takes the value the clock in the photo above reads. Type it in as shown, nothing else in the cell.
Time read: 11:40
